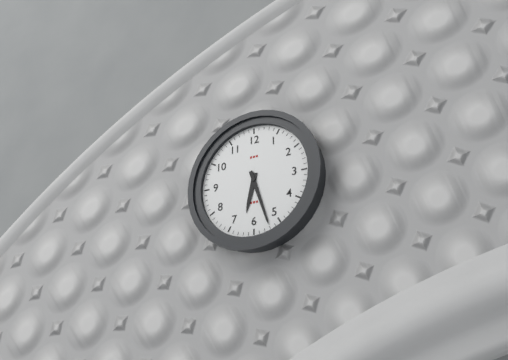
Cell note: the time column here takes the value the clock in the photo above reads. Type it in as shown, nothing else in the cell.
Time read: 6:27
